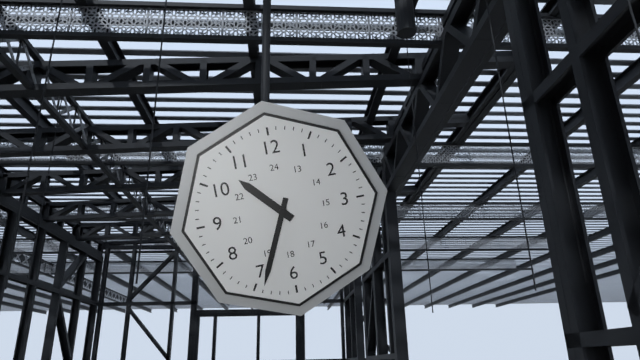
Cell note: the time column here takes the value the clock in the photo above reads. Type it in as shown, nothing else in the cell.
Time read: 10:34
